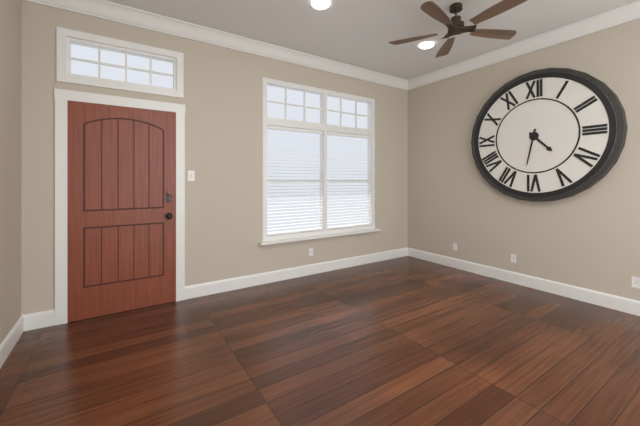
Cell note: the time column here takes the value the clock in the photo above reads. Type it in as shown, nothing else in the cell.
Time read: 4:32
